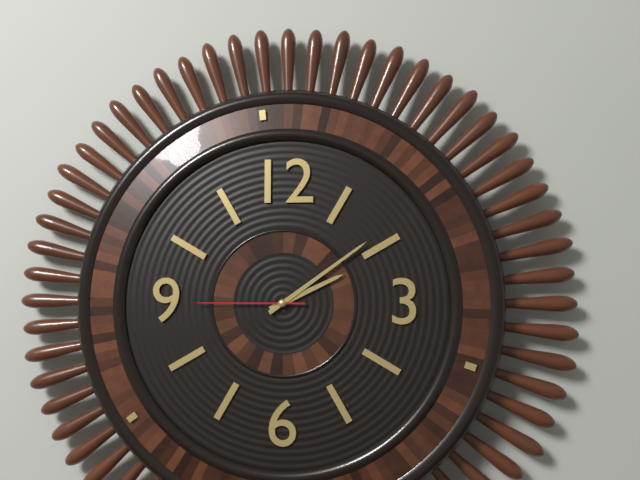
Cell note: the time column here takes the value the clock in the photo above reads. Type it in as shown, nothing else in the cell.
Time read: 2:09:45
